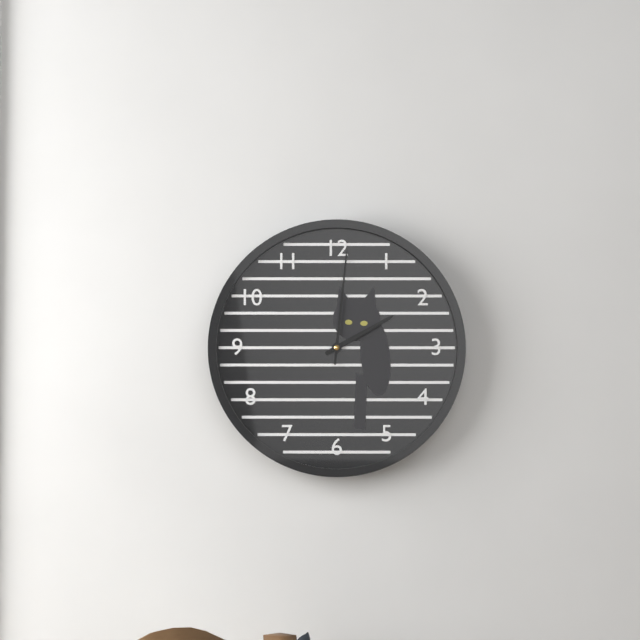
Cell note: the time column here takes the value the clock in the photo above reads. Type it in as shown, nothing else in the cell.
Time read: 2:01
